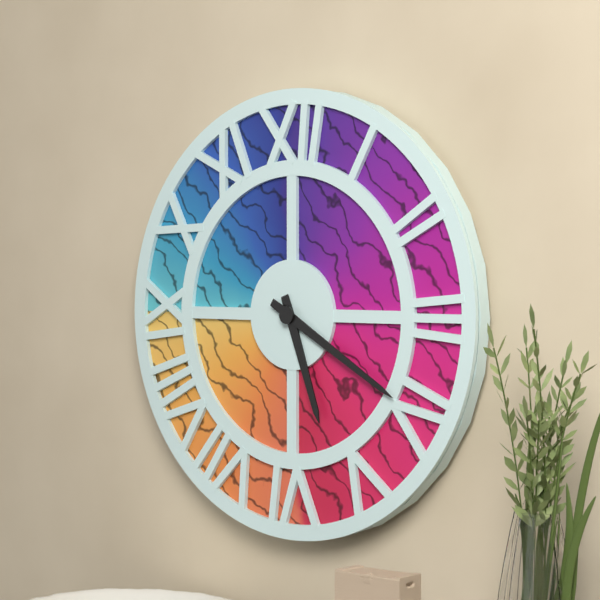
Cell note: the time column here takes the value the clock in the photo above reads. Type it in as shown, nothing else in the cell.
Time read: 5:20
